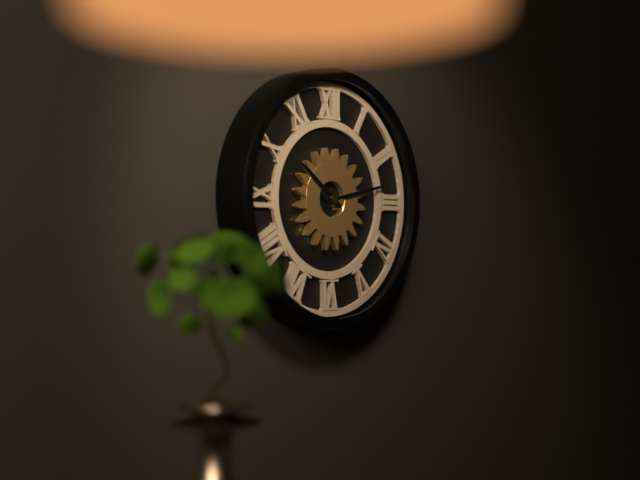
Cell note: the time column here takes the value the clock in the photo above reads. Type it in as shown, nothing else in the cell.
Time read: 10:13
